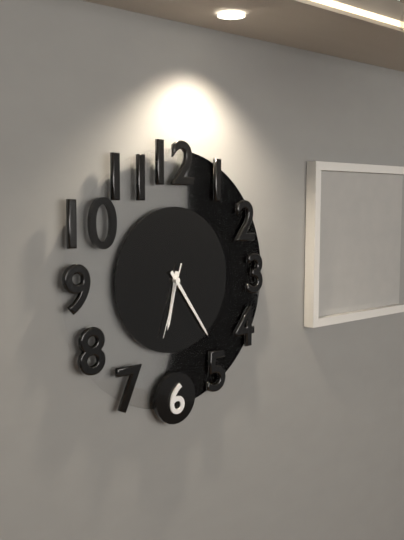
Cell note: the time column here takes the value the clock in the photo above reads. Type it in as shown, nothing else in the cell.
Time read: 6:24:33
